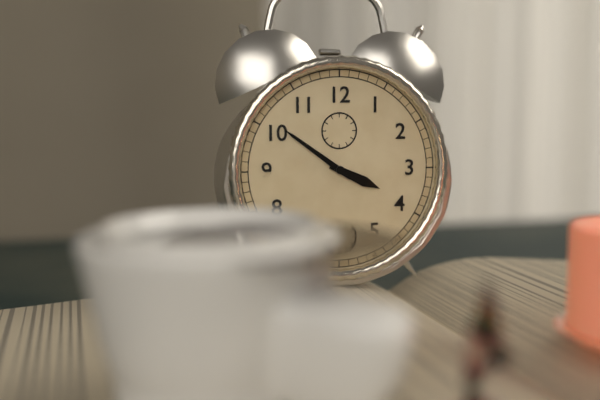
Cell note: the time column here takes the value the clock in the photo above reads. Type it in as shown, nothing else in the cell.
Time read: 3:51
